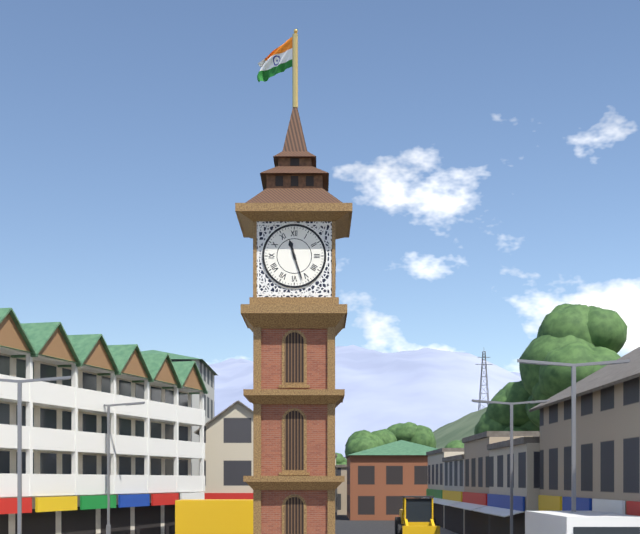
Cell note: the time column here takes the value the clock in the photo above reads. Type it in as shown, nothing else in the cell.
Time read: 11:27
